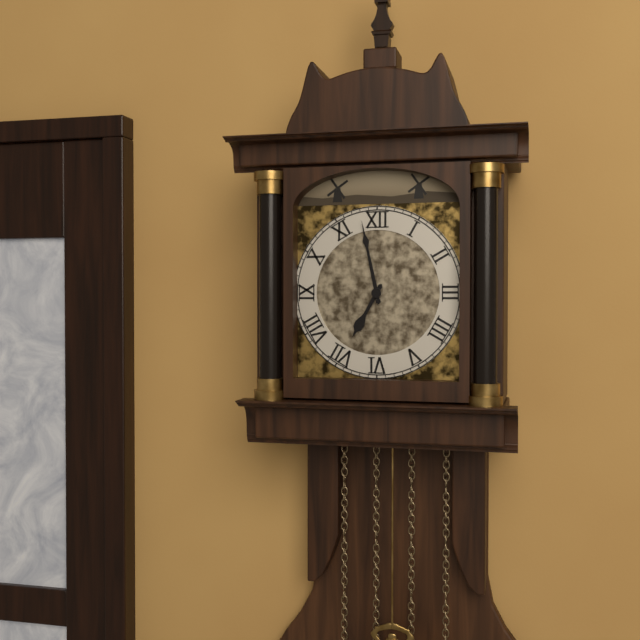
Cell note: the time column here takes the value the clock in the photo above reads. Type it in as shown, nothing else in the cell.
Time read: 6:58
